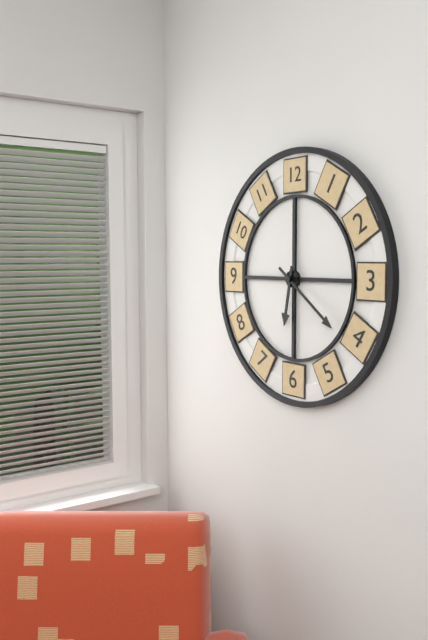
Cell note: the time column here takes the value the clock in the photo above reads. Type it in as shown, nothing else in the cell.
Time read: 6:21
